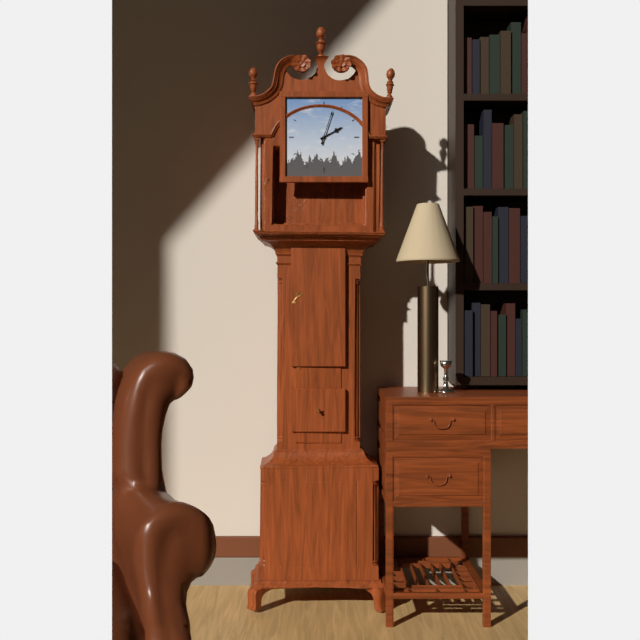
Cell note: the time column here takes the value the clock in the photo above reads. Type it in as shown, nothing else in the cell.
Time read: 2:03
